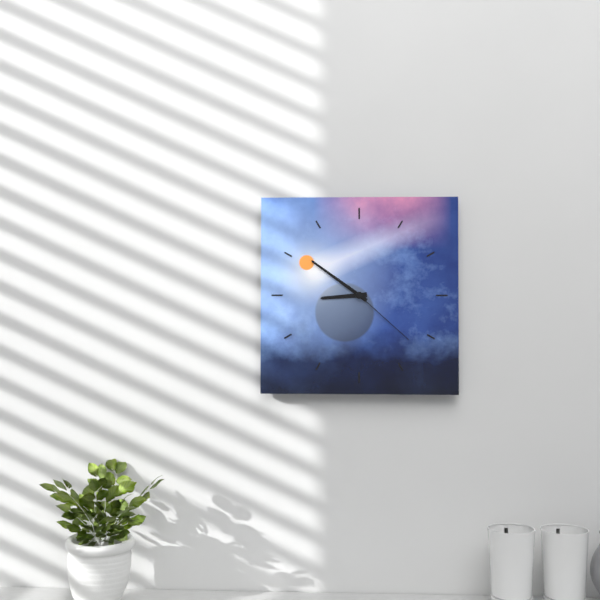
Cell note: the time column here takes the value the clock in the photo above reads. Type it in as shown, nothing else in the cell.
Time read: 8:51:22
